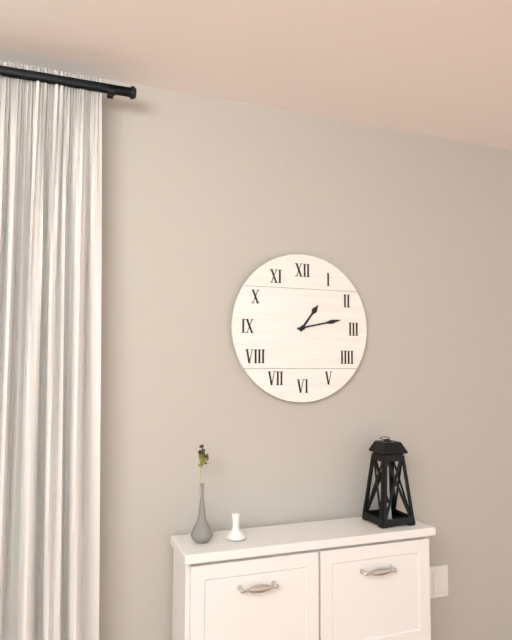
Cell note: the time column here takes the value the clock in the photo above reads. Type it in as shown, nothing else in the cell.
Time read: 1:13
